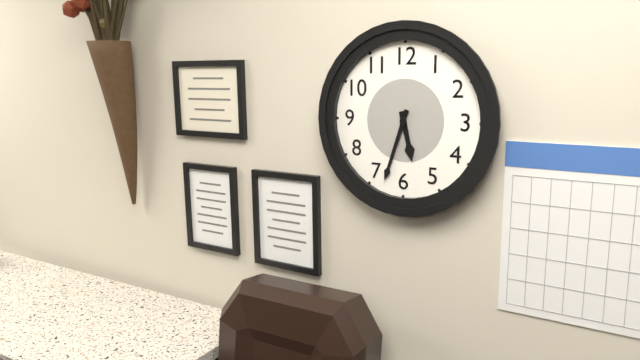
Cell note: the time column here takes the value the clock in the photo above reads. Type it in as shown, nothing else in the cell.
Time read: 5:33
